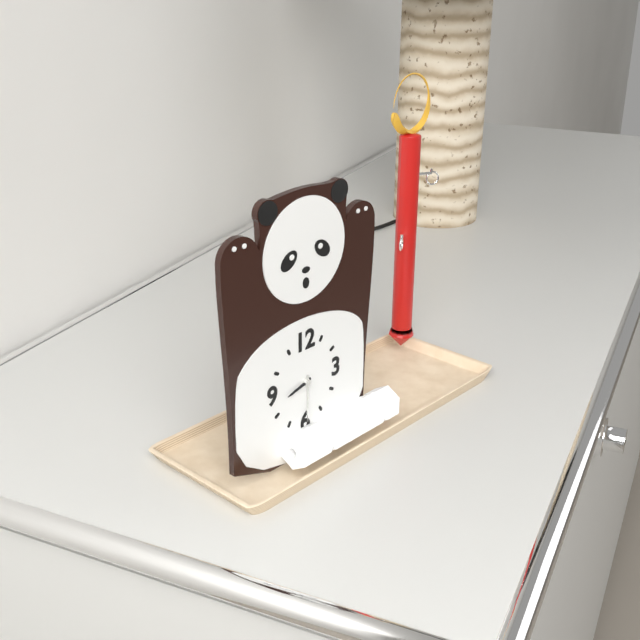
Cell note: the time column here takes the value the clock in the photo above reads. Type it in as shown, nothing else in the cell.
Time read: 8:30
